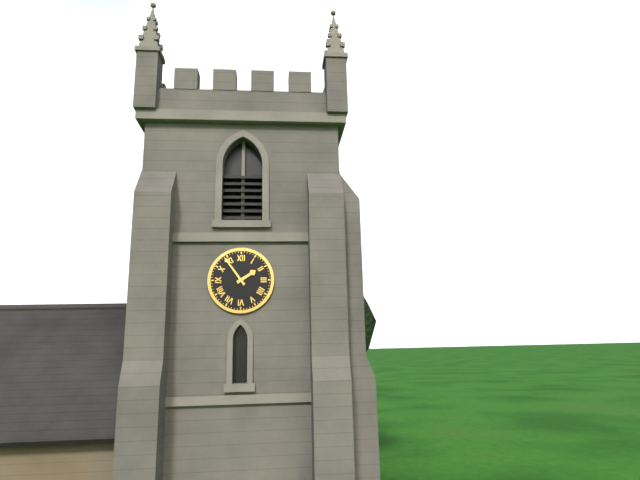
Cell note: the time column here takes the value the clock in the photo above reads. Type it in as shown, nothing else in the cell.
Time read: 1:54
